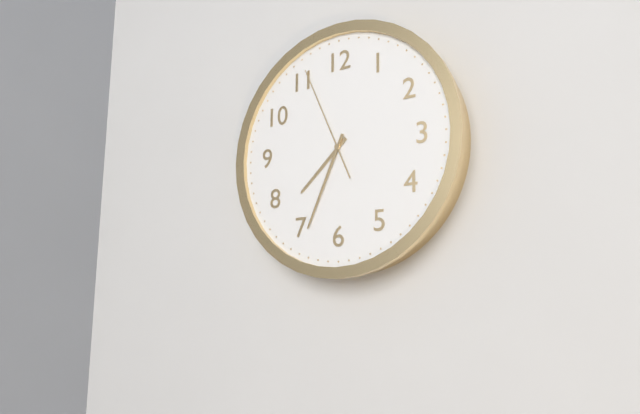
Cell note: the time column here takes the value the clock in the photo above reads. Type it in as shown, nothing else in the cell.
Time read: 7:34:56
